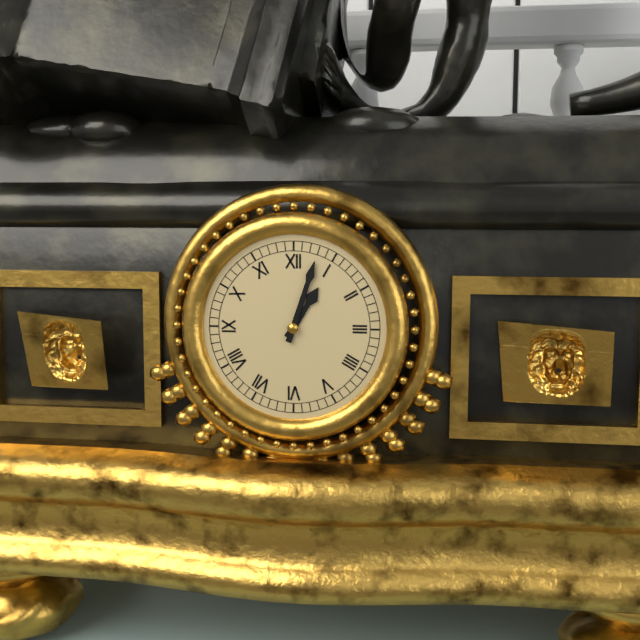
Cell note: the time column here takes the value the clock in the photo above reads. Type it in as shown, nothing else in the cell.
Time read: 1:03
